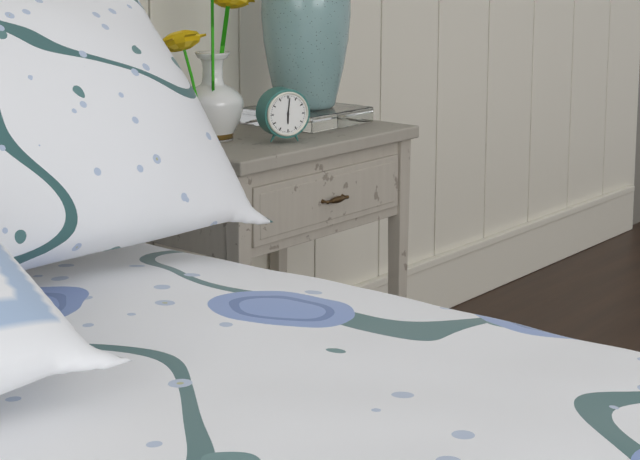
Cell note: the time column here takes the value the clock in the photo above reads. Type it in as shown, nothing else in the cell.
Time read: 6:01
